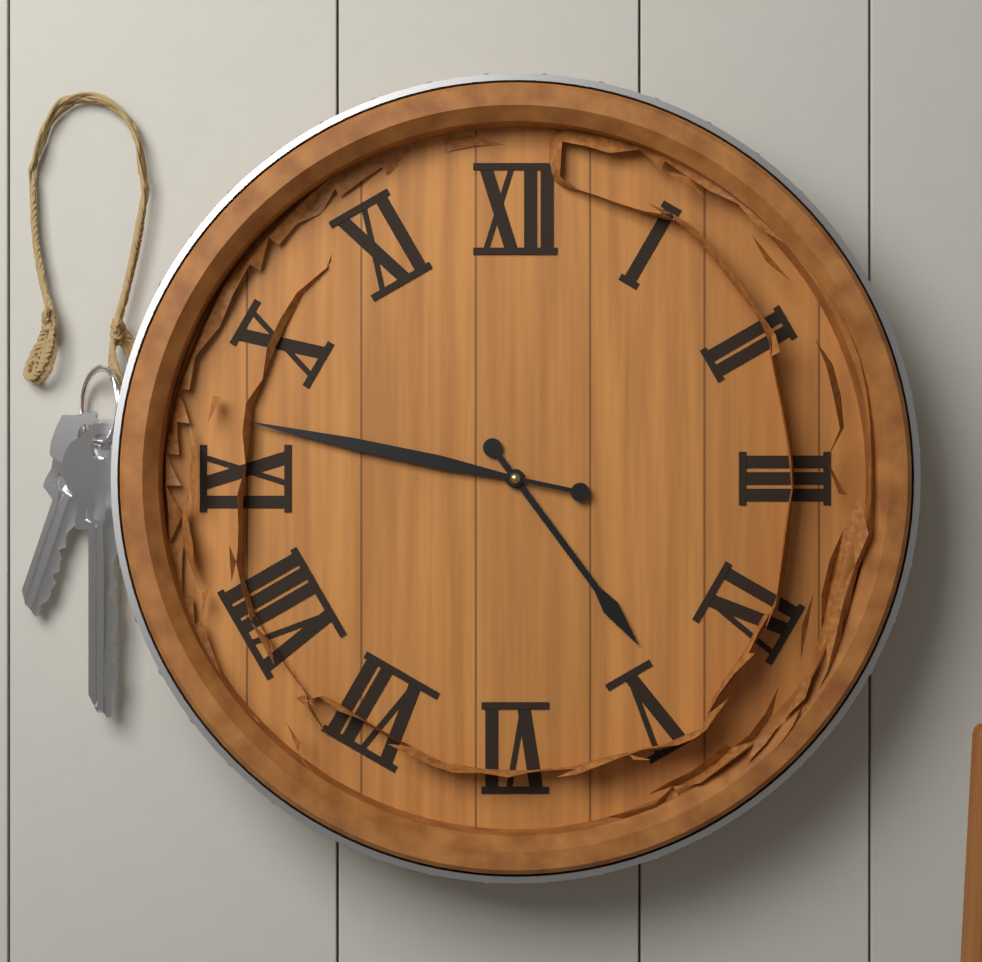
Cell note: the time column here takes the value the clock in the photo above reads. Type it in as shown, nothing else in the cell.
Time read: 4:47
